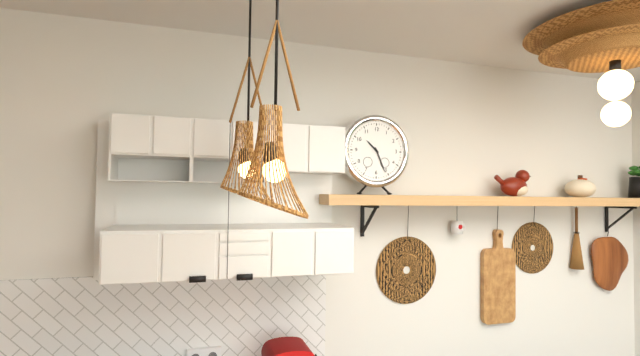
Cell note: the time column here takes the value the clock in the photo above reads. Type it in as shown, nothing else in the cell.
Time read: 10:26
